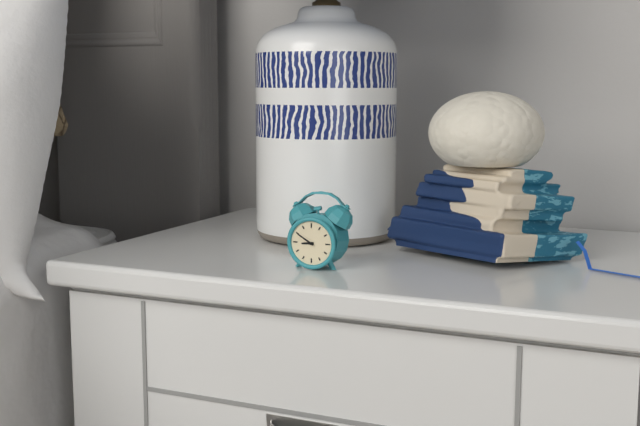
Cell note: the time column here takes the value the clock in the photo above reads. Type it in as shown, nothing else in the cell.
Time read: 8:50
